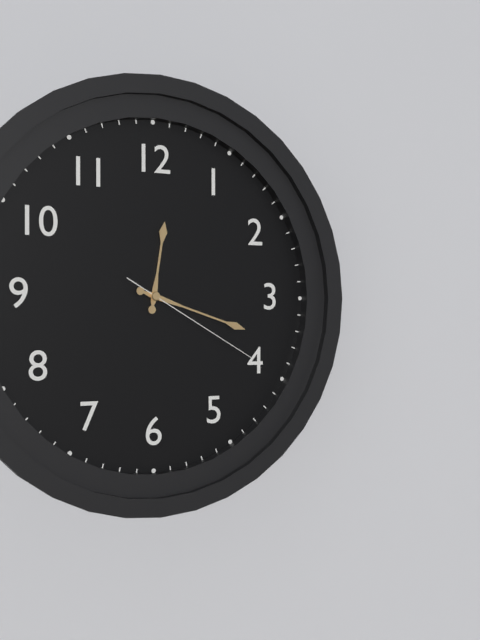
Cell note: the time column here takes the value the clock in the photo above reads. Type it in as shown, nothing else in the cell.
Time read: 12:18:20
